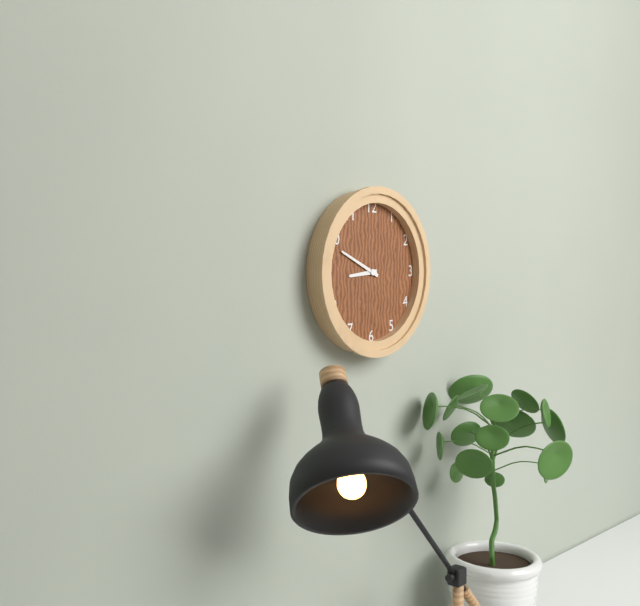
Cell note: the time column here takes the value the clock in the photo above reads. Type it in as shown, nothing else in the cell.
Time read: 8:49
